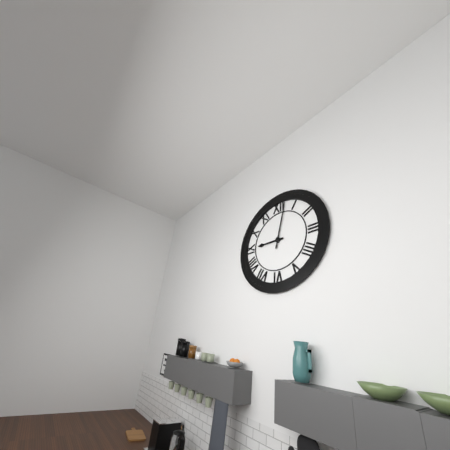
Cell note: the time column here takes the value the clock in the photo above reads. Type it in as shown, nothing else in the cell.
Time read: 9:02
